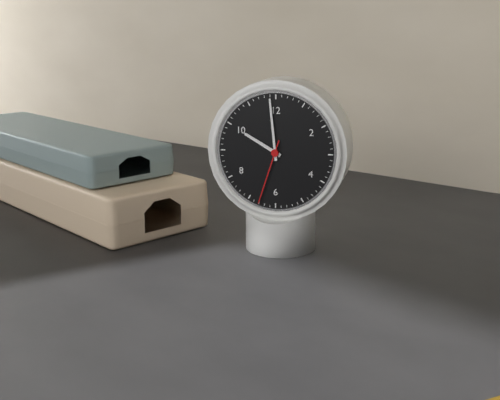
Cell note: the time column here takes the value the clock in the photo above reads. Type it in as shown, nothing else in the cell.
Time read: 9:59:33
